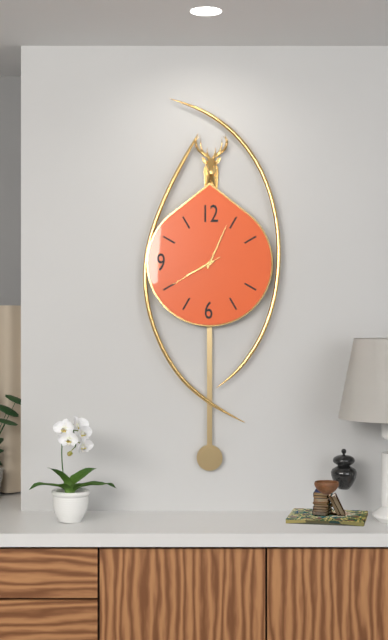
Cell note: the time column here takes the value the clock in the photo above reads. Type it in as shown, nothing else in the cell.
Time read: 8:04:40
